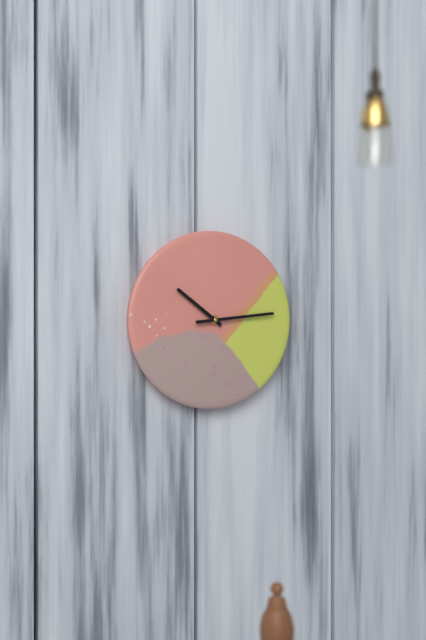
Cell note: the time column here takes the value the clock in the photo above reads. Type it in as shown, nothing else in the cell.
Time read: 10:14
